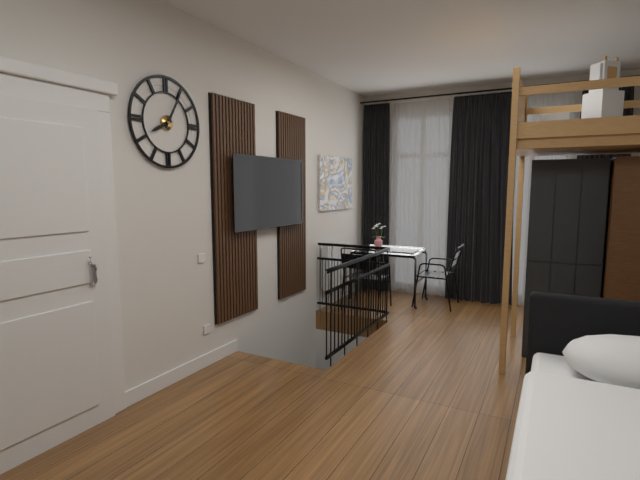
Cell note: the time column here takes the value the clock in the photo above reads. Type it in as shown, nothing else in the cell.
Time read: 8:05
